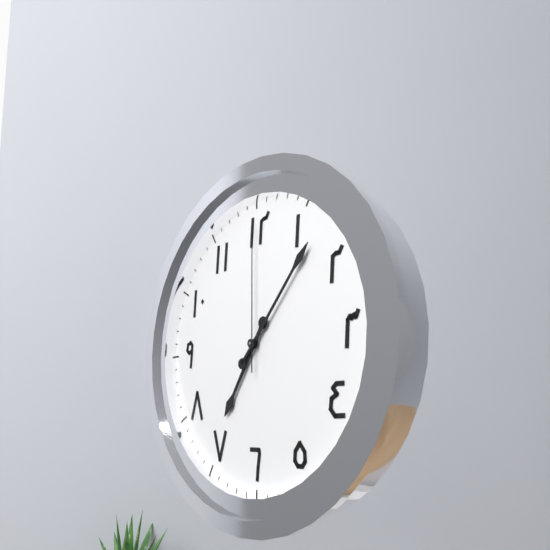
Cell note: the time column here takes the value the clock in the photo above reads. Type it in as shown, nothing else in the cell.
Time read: 7:07:00
